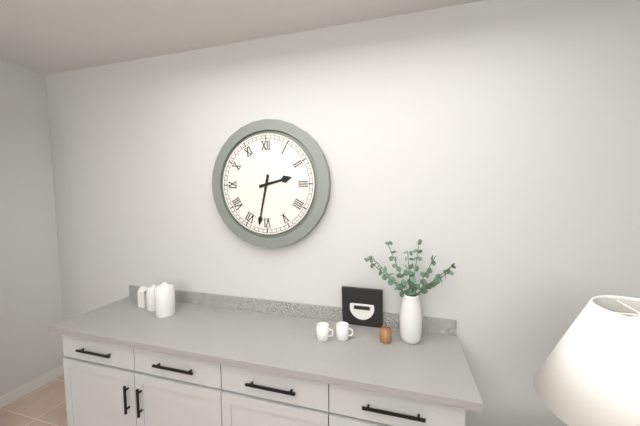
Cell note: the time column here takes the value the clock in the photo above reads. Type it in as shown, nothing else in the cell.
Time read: 2:32
